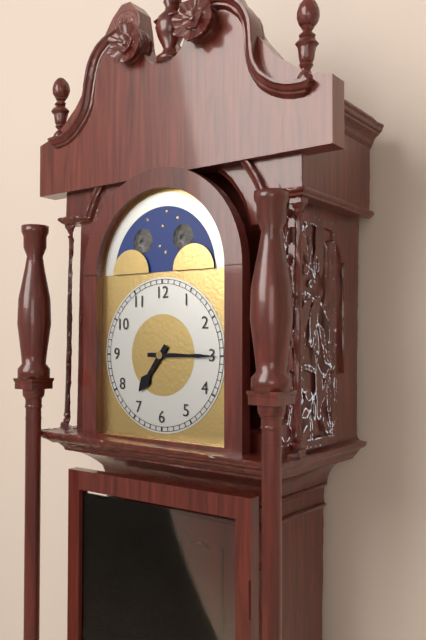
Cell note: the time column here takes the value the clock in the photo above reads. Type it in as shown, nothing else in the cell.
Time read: 7:15
